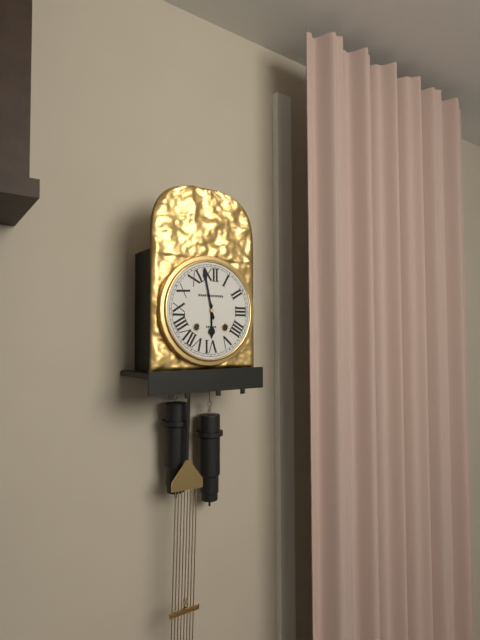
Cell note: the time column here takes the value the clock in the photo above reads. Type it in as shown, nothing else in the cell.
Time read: 5:58
